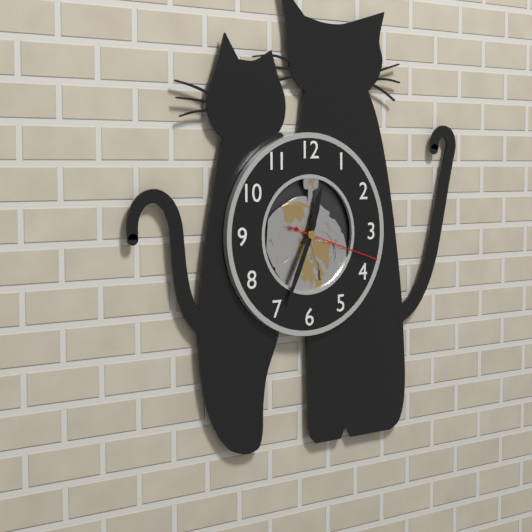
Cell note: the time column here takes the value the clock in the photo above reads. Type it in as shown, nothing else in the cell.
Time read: 12:34:18
